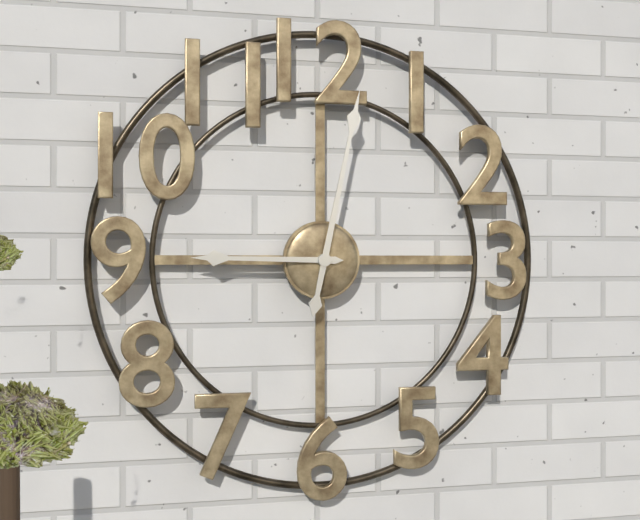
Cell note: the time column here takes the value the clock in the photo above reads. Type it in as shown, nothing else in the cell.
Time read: 9:02
